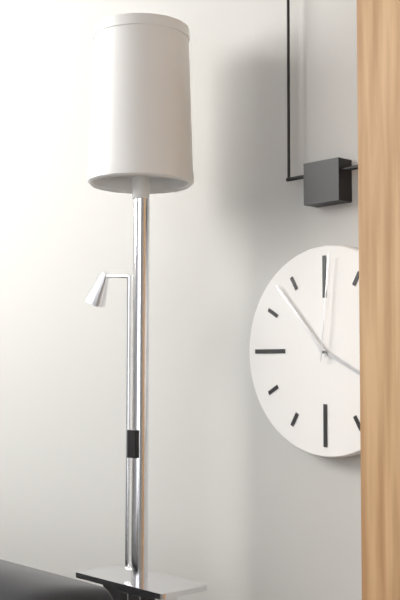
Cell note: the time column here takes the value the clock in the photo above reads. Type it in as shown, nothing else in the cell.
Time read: 3:53:01
